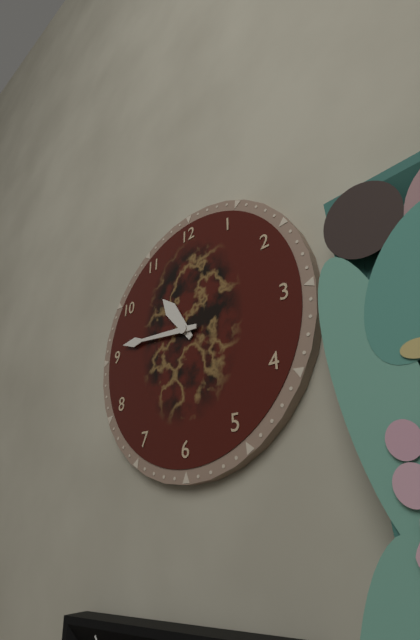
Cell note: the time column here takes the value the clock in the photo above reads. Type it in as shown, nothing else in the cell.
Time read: 10:46
